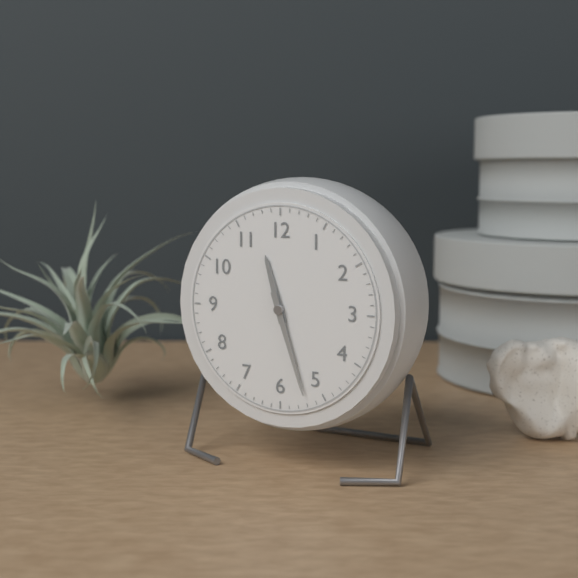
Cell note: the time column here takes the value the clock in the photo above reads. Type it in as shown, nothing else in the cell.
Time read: 11:27
